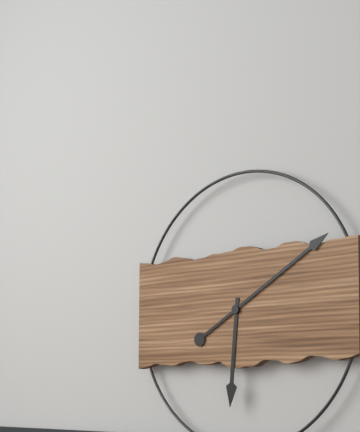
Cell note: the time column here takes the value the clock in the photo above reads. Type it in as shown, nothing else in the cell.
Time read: 6:10
